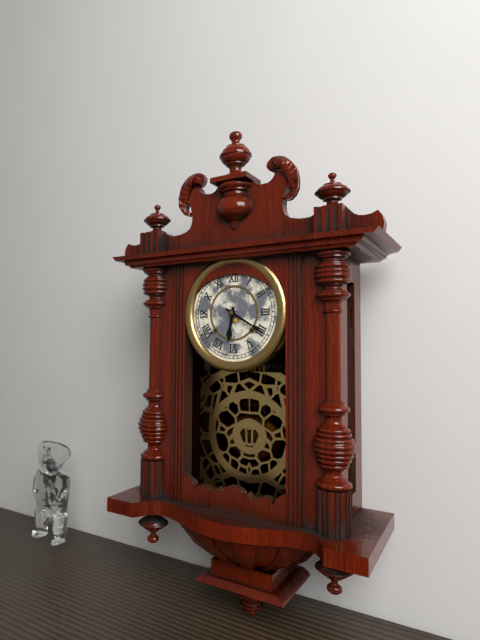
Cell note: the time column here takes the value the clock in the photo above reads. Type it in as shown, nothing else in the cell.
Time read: 6:20
